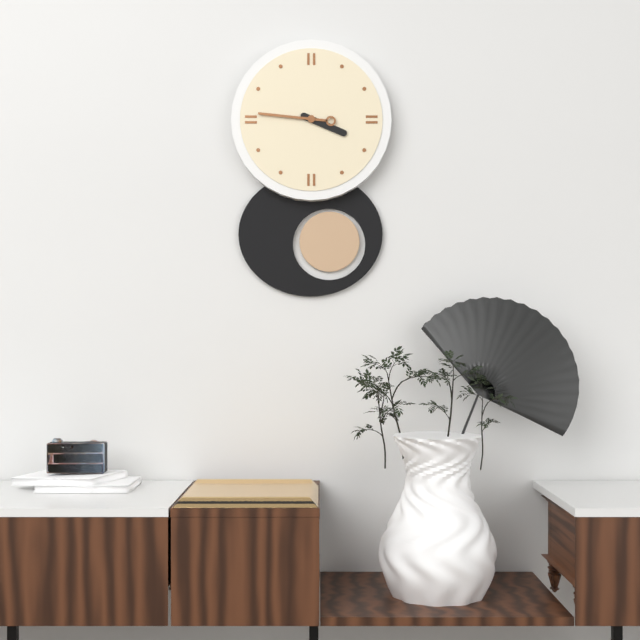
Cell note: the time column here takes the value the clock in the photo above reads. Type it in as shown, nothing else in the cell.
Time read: 3:46
